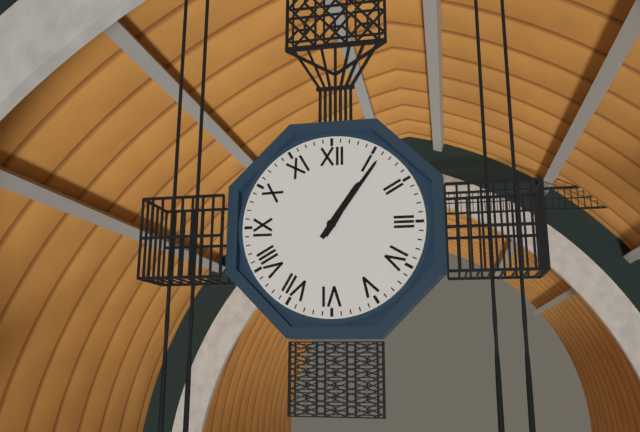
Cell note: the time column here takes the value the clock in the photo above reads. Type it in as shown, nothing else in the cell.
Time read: 1:06
